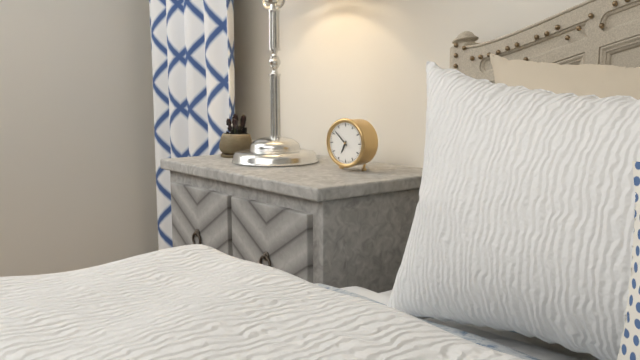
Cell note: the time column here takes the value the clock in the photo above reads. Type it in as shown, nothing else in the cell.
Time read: 6:52
